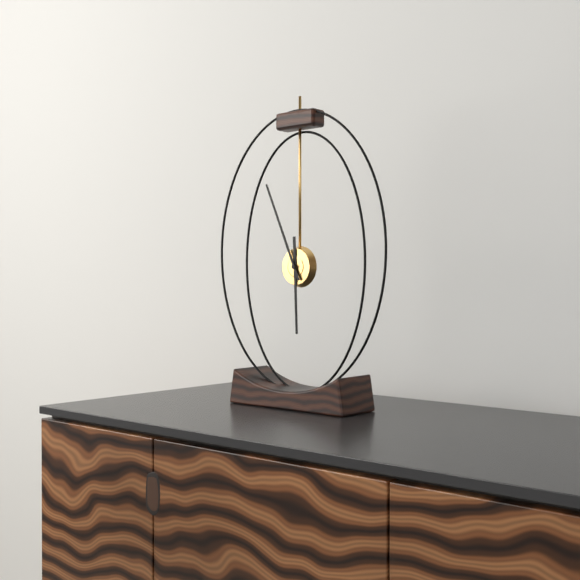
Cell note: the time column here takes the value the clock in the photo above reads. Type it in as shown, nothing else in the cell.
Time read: 5:56
